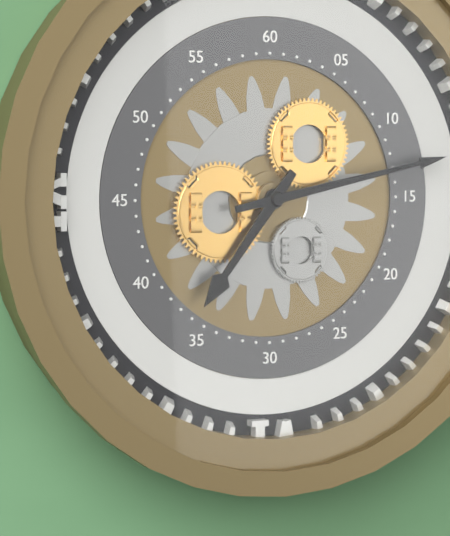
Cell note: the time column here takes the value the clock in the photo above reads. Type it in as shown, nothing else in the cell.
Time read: 7:13
